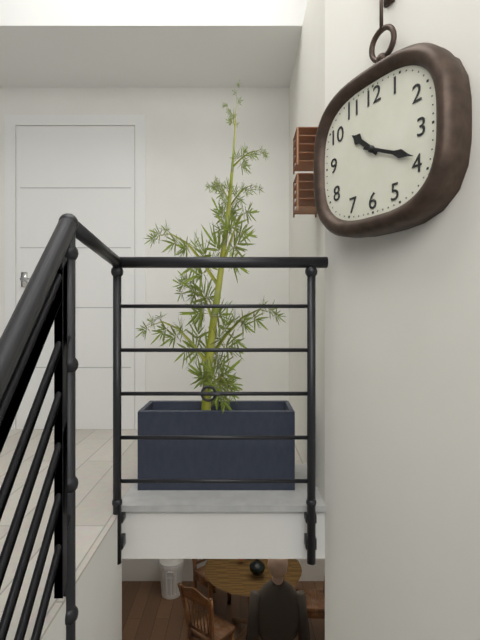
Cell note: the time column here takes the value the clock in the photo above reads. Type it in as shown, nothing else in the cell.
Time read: 10:19
